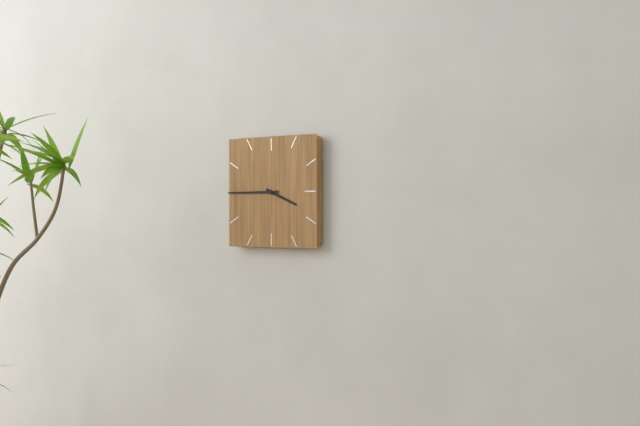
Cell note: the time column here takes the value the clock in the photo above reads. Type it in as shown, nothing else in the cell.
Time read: 3:45
